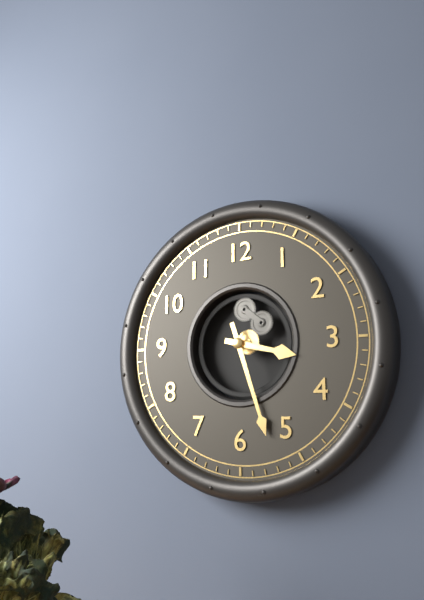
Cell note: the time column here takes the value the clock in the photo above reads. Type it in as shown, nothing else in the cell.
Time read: 3:27
